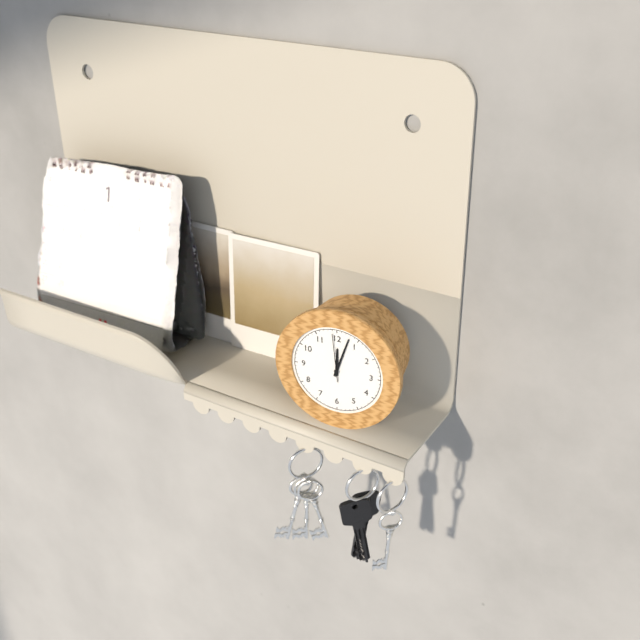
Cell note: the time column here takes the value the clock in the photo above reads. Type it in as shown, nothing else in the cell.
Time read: 12:03
